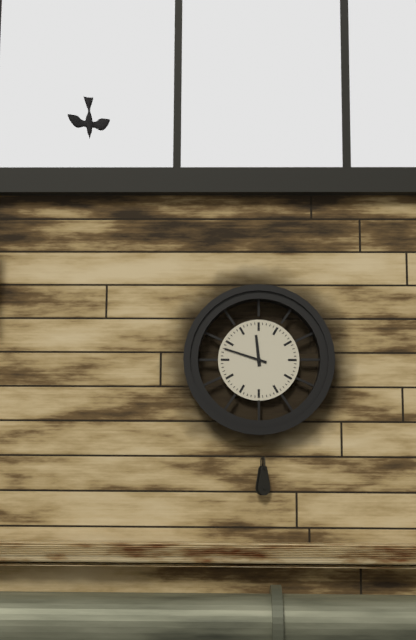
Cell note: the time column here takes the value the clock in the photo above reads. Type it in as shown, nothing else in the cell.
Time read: 11:48
